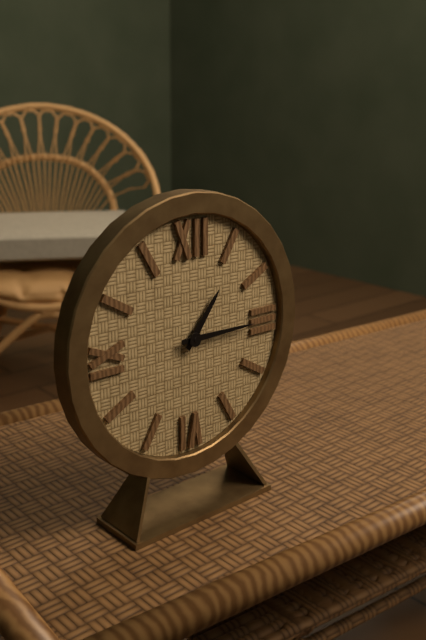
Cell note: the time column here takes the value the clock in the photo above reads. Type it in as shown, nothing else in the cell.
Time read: 1:15
